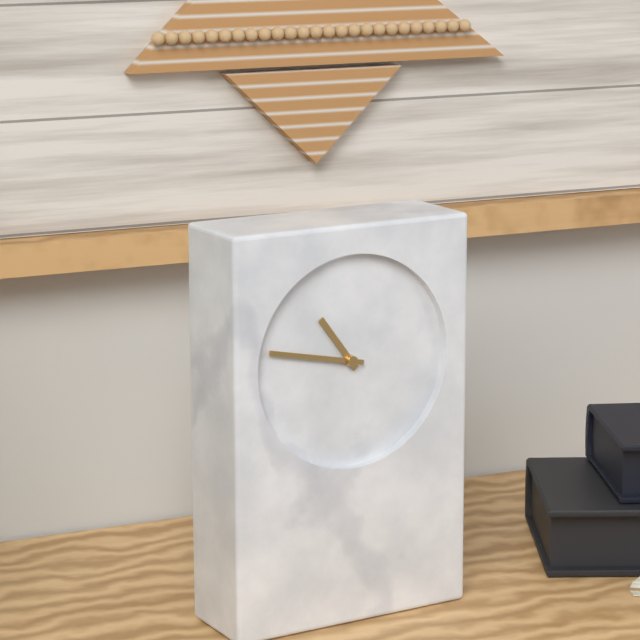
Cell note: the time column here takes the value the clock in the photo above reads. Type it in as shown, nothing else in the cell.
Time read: 10:47
